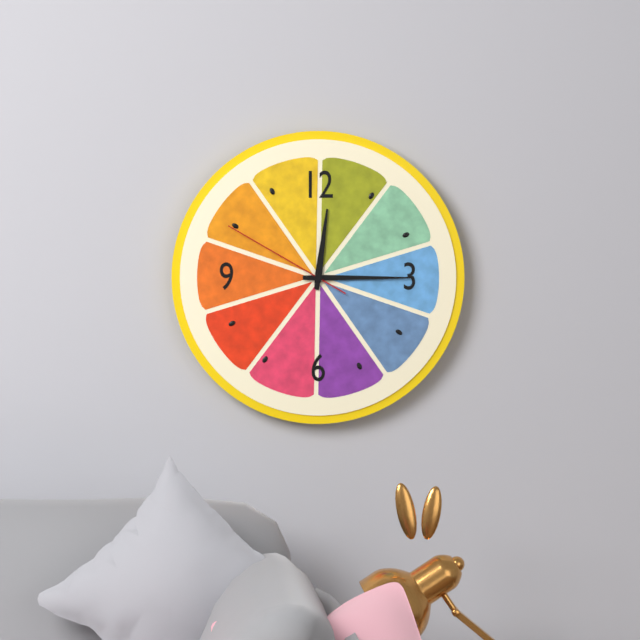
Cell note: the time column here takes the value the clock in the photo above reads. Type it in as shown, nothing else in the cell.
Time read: 12:15:50
